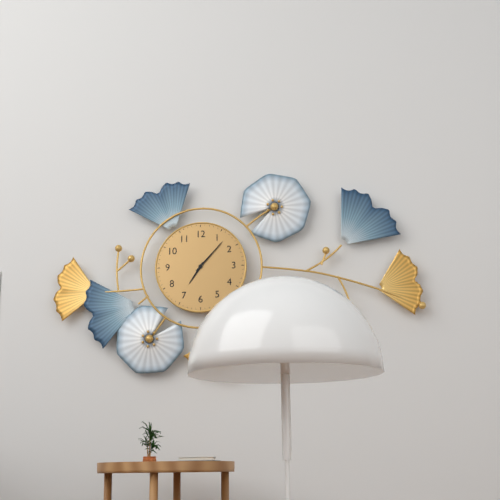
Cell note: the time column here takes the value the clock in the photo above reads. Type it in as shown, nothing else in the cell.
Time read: 7:07
